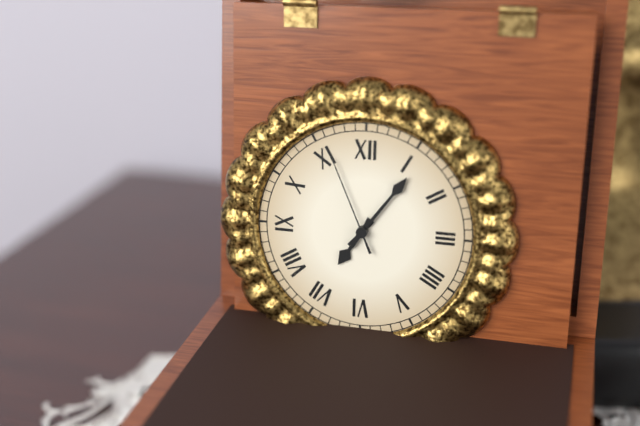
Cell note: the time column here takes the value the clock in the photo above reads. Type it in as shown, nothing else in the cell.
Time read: 7:06:56
